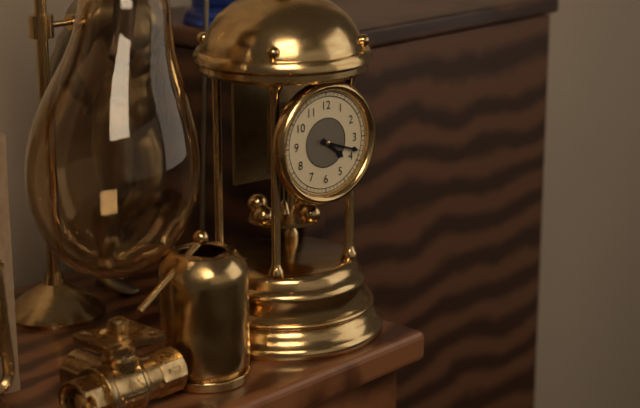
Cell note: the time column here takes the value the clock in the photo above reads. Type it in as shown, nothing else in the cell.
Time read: 4:18
